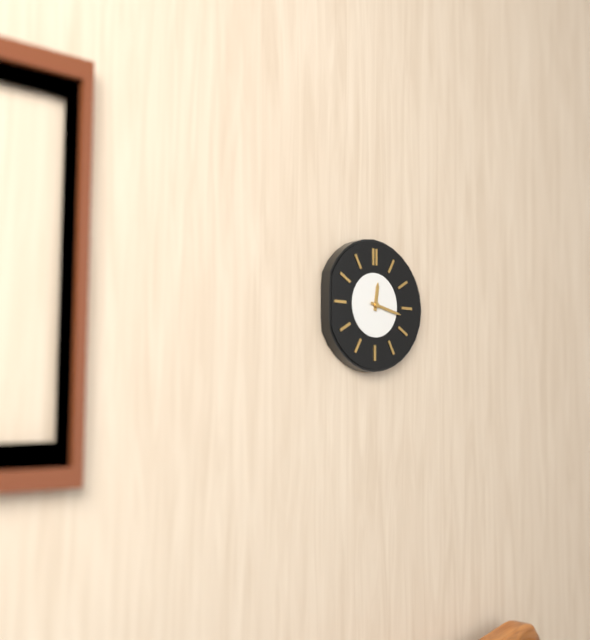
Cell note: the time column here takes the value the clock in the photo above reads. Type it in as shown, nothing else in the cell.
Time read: 12:17
